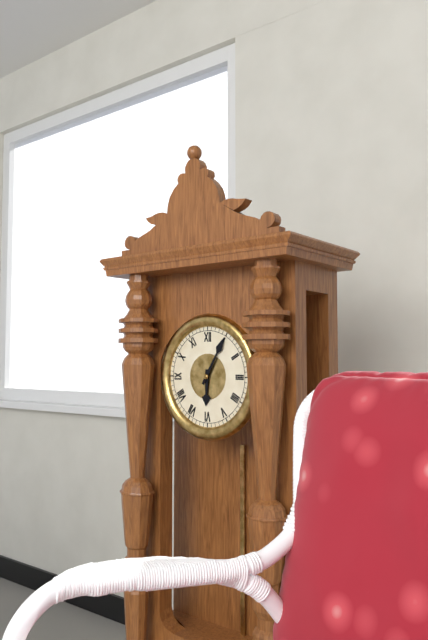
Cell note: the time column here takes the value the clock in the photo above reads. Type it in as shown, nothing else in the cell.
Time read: 6:05
